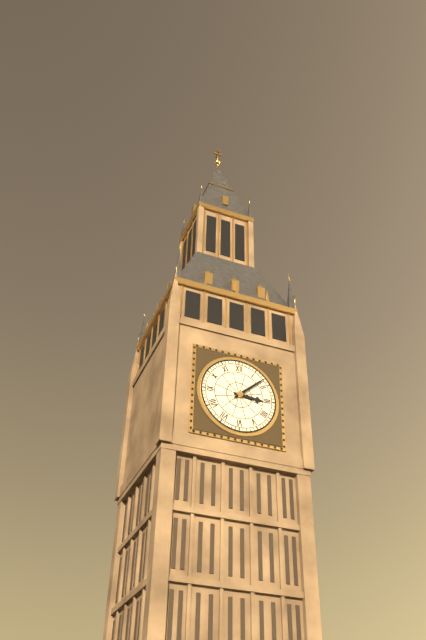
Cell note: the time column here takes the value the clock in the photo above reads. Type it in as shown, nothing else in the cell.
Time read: 3:08
